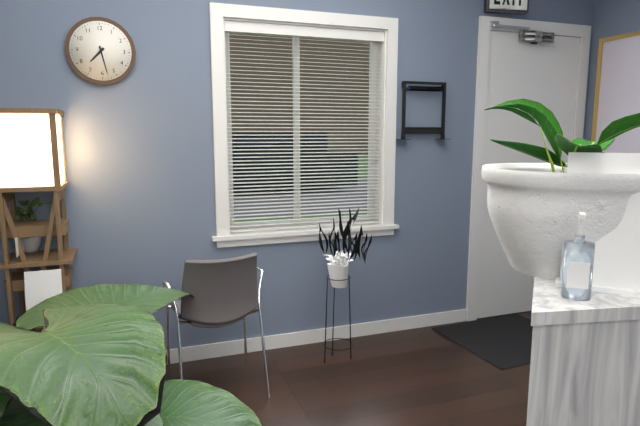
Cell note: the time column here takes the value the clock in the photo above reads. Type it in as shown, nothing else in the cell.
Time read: 7:28
